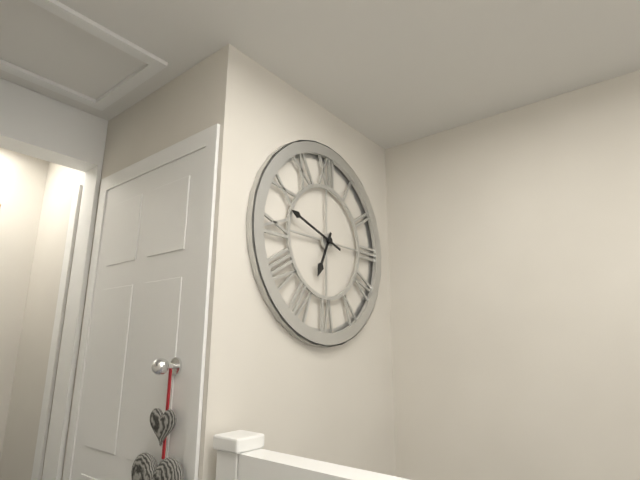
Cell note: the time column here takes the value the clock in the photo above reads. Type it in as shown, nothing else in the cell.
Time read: 6:48
